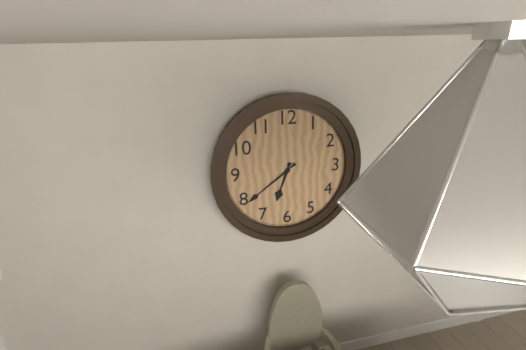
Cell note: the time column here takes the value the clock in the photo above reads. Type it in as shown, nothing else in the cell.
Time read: 6:39
